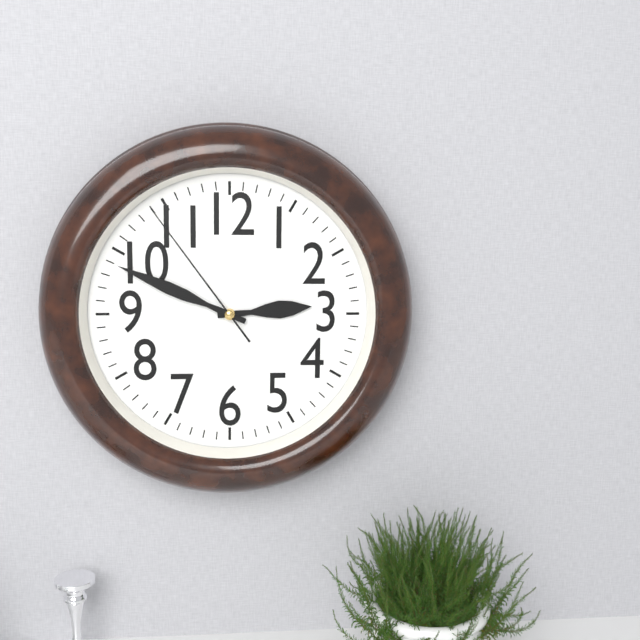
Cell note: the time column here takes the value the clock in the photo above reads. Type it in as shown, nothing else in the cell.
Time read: 2:49:54
